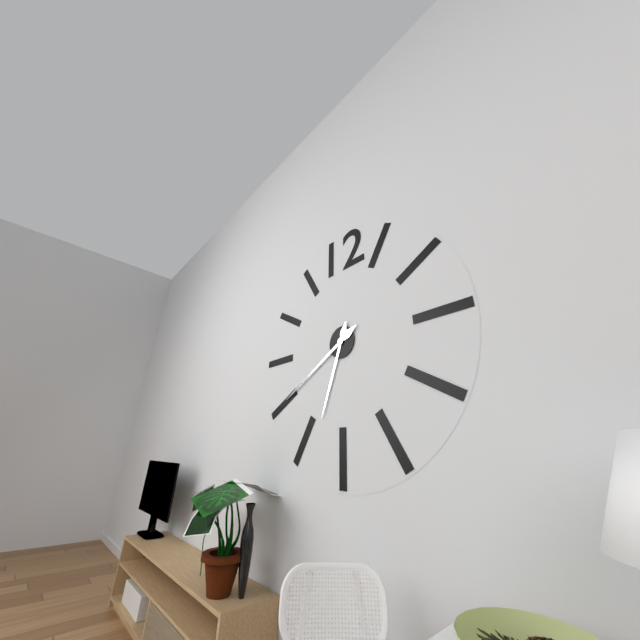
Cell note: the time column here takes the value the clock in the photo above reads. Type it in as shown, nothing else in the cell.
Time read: 6:40
